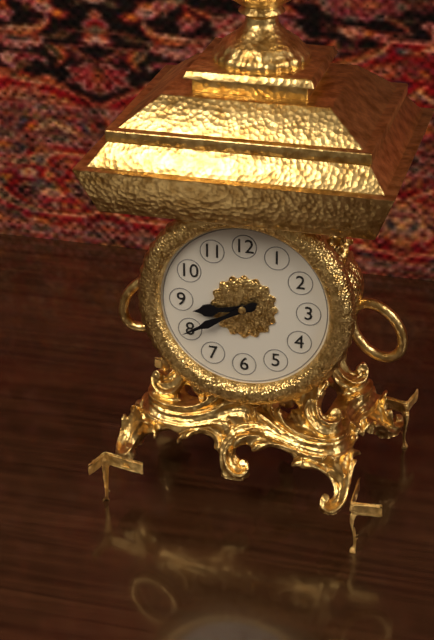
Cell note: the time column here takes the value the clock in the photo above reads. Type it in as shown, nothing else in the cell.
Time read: 8:40
